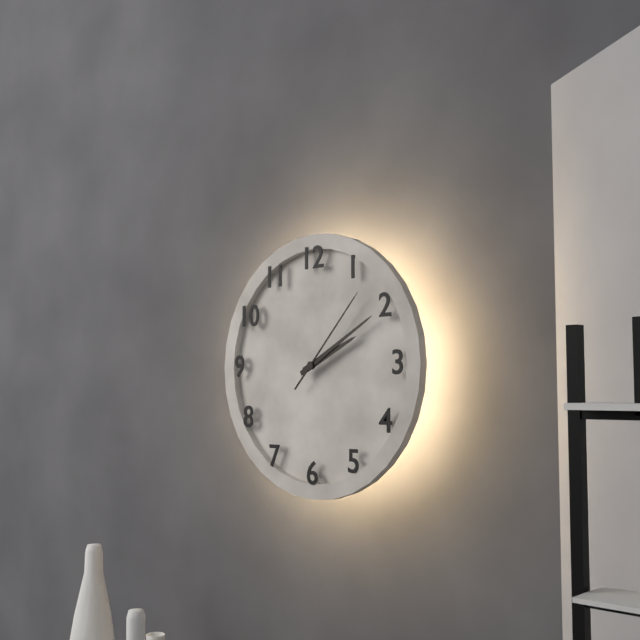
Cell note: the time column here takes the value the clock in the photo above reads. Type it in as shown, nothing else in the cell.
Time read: 2:10:07
